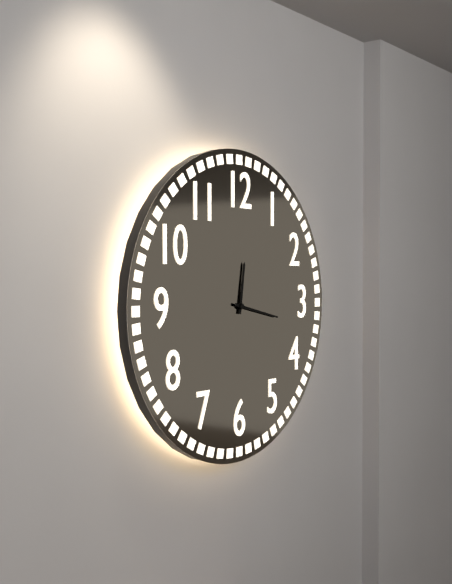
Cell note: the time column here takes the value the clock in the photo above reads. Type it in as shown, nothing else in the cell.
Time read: 12:17
